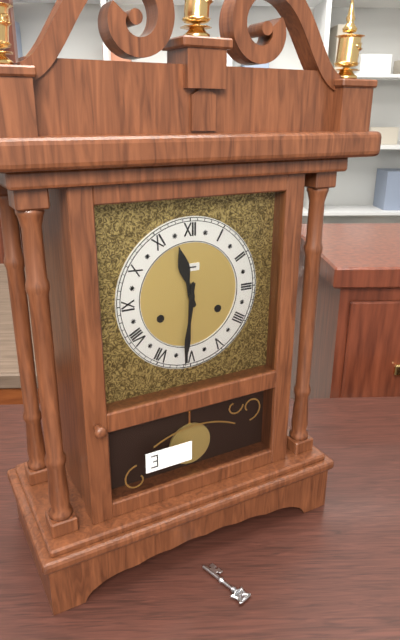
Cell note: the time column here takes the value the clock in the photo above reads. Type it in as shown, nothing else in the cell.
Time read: 11:31
